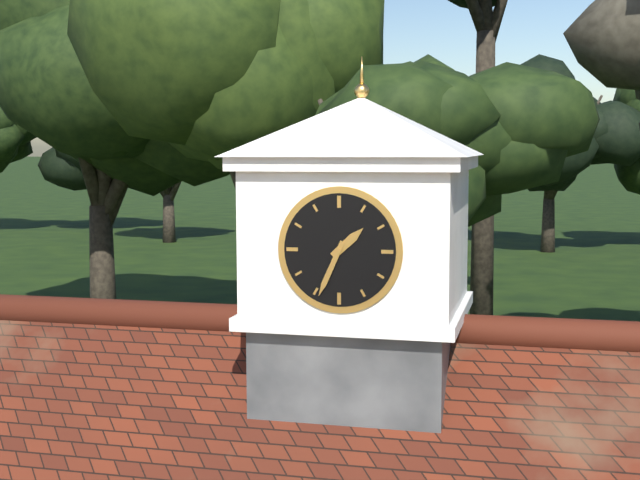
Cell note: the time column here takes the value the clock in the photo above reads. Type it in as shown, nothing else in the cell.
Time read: 1:34
